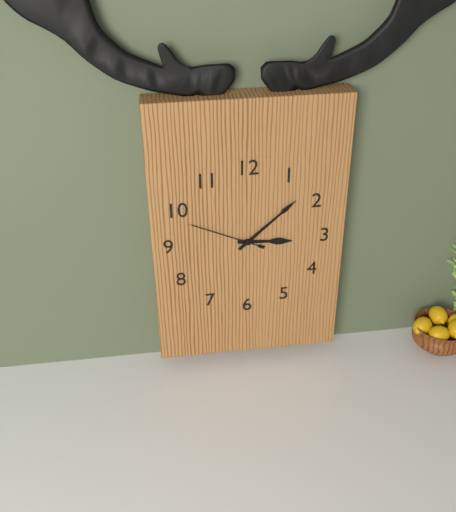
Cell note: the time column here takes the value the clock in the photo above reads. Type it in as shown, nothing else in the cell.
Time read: 3:08:49
